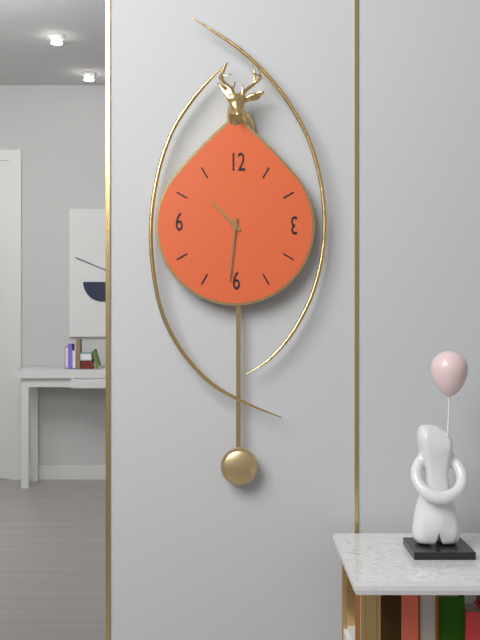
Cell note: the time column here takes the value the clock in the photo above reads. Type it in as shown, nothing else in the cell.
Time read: 10:31
